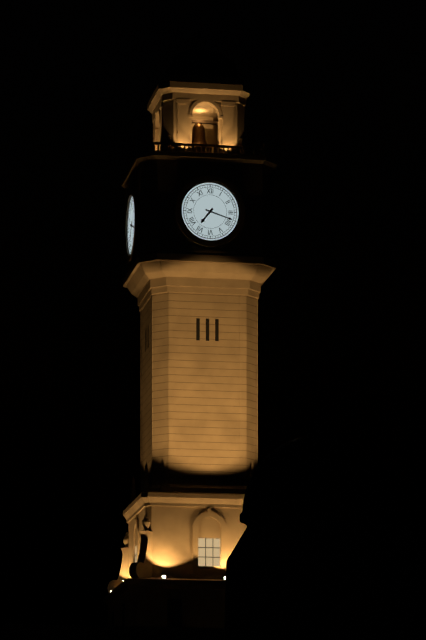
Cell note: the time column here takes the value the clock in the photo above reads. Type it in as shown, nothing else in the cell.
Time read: 7:18
